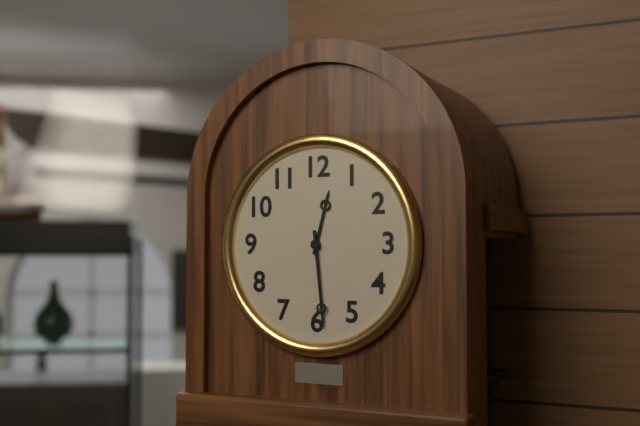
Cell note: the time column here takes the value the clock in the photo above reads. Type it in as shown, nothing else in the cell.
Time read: 12:29
